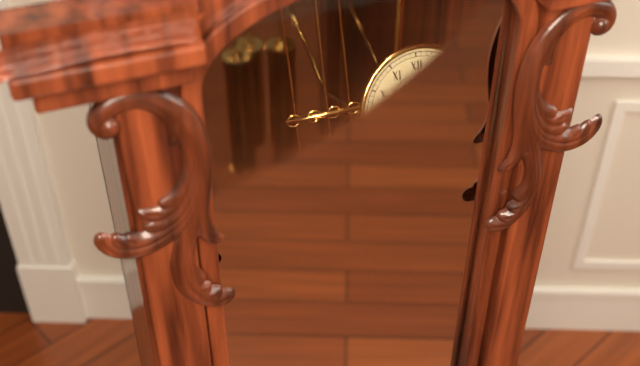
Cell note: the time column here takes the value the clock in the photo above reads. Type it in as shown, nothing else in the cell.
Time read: 10:10
